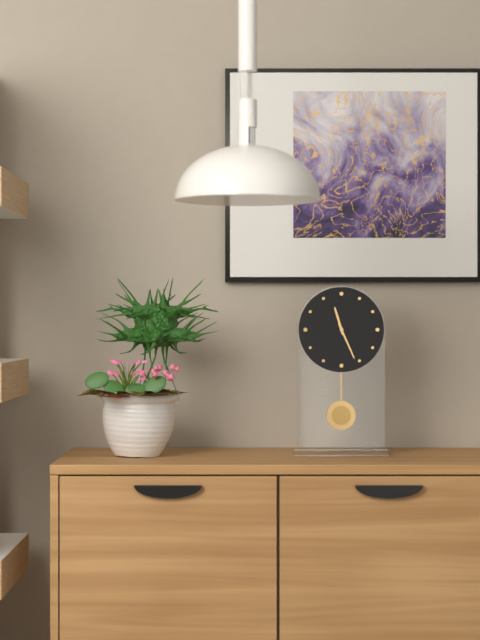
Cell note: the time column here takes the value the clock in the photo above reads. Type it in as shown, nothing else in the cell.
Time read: 11:26
